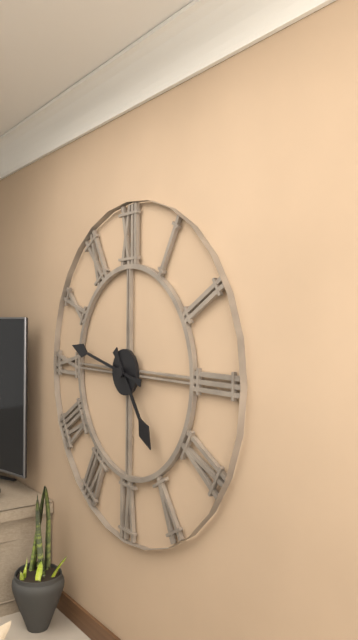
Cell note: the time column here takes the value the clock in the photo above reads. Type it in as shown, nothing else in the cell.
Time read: 4:47
